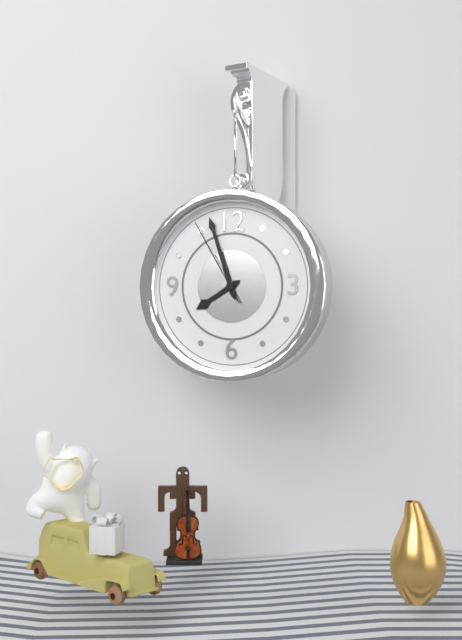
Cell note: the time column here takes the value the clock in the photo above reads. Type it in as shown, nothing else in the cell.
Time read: 7:57:55
